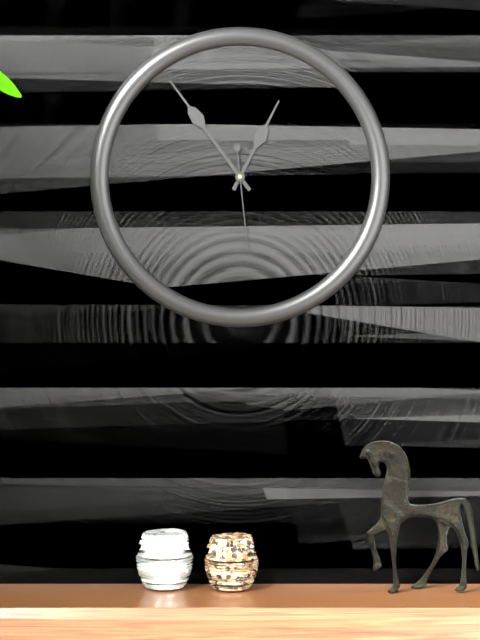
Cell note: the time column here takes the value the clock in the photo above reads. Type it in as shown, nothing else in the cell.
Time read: 12:54:29
